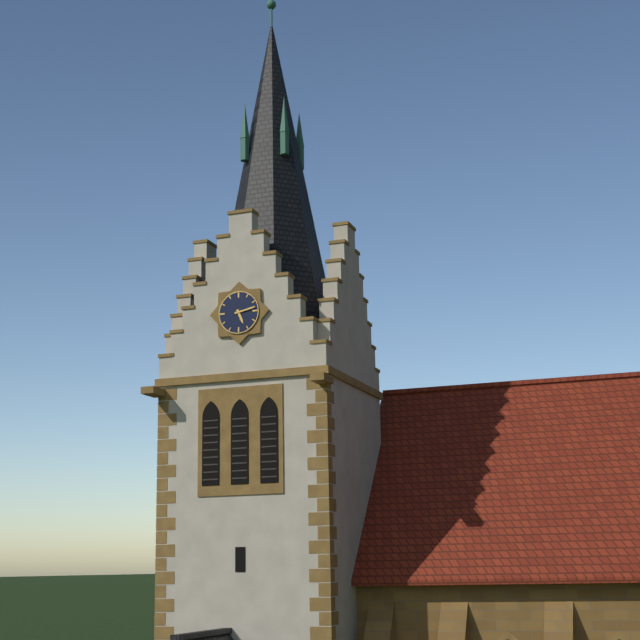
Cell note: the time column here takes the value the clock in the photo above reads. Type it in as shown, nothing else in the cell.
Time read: 5:13
